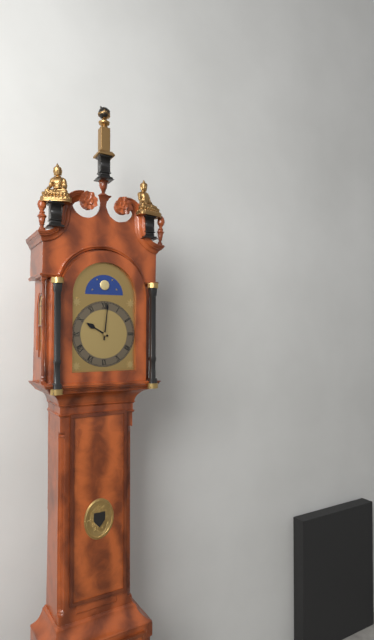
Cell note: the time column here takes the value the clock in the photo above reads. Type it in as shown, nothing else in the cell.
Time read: 10:01
